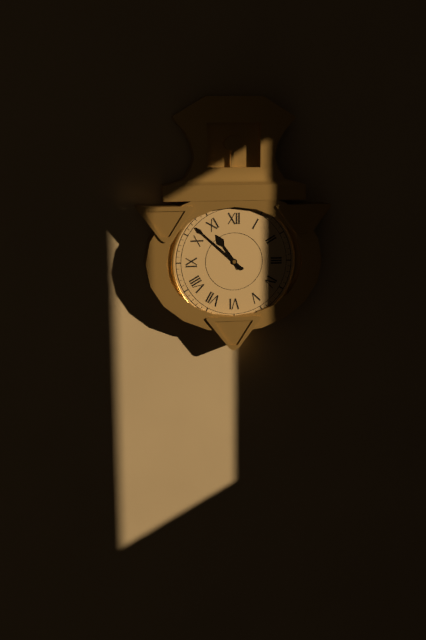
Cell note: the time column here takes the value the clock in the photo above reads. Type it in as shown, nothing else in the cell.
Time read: 10:52
